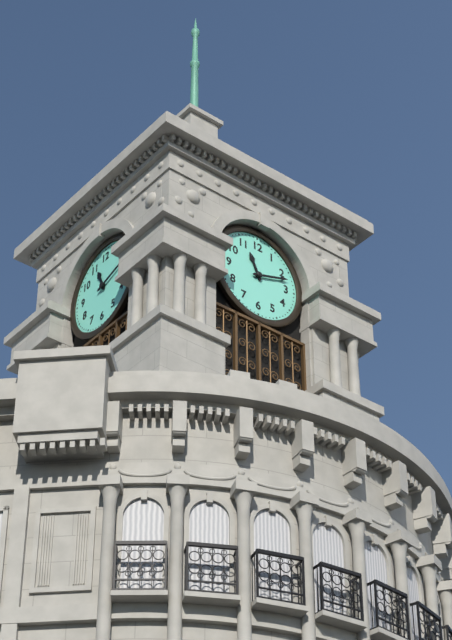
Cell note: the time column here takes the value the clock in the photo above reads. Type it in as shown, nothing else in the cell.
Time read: 11:12
